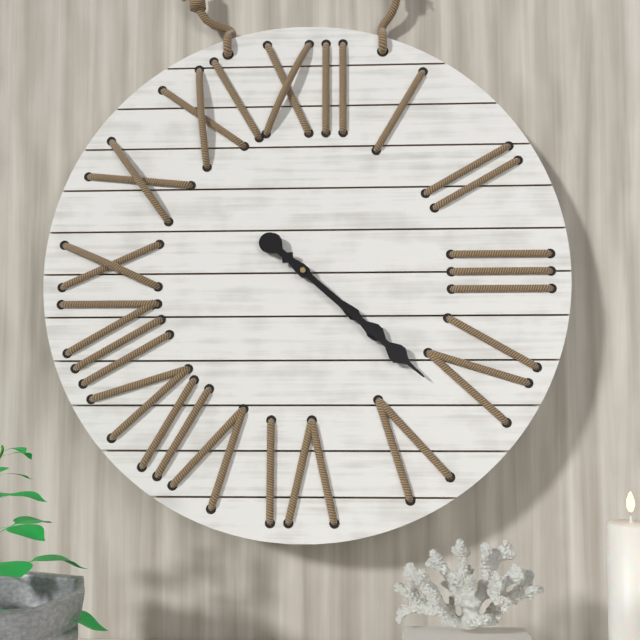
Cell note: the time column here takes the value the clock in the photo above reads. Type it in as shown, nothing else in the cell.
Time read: 4:22
